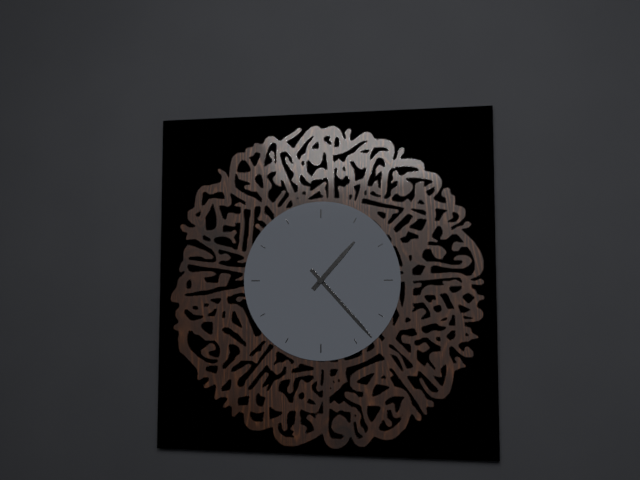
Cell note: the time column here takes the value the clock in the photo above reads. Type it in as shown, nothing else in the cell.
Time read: 1:23
